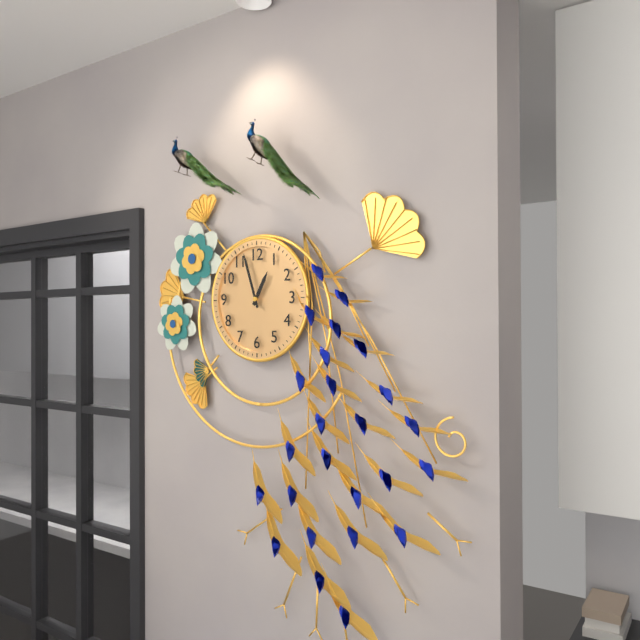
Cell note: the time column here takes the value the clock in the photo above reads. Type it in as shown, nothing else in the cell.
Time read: 12:57
